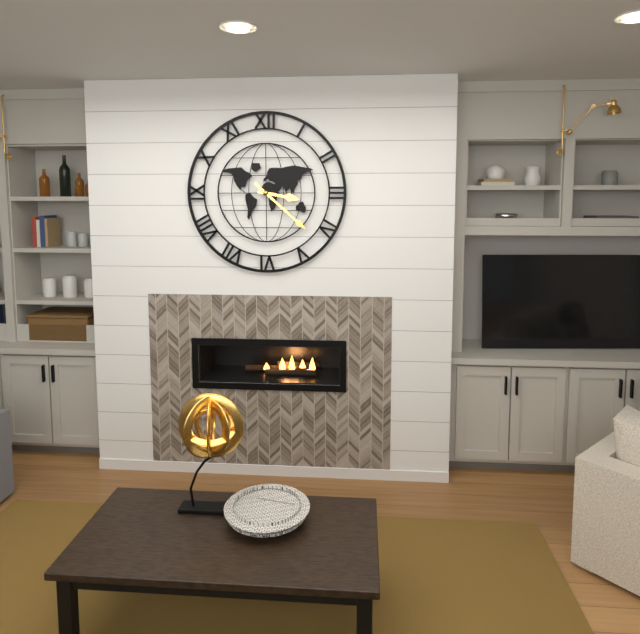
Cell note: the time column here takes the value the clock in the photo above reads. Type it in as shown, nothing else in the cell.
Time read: 3:22
